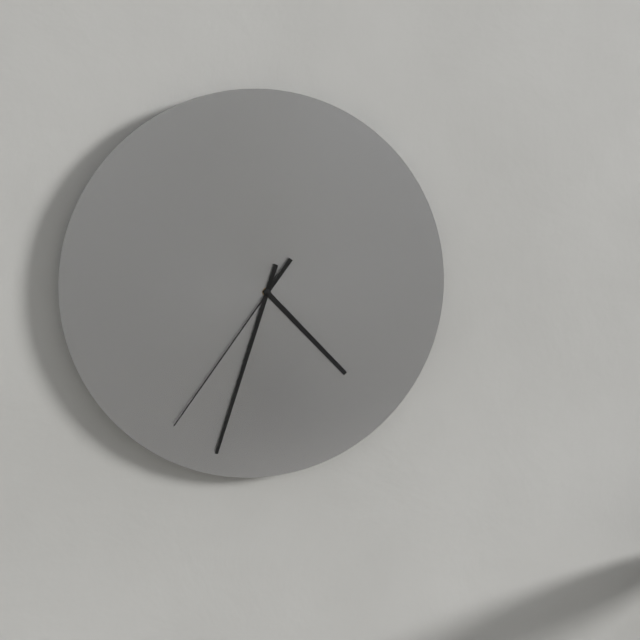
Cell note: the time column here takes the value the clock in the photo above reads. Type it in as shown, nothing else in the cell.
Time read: 4:33:36
